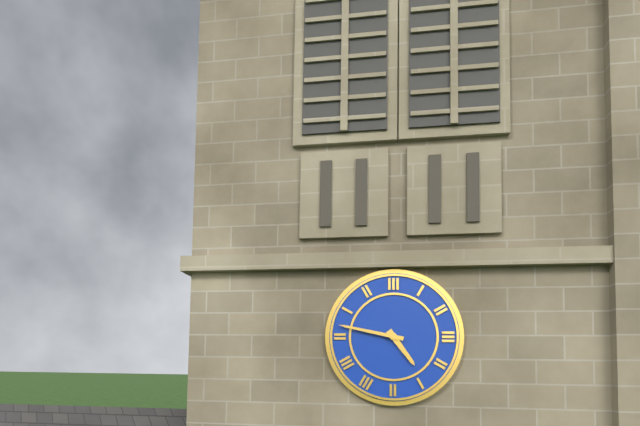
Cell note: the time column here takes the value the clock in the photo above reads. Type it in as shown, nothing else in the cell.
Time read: 4:47
